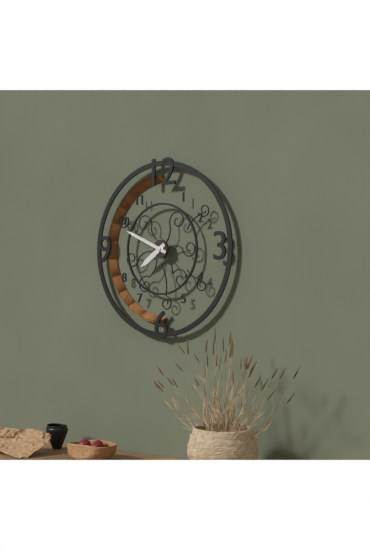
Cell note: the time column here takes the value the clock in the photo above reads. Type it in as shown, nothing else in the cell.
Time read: 7:49
